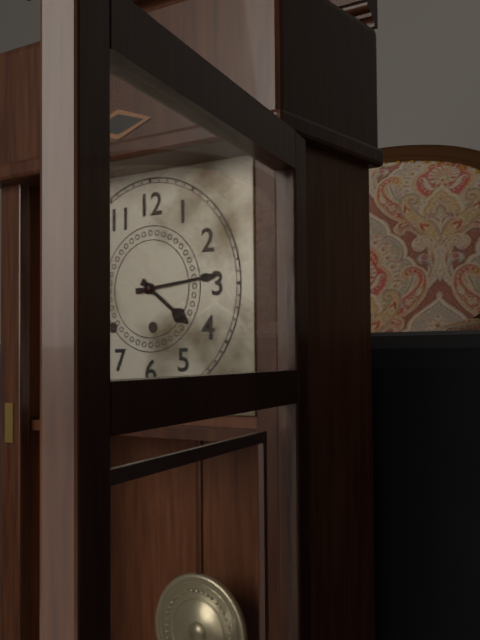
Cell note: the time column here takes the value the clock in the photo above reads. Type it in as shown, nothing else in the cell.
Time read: 4:14
